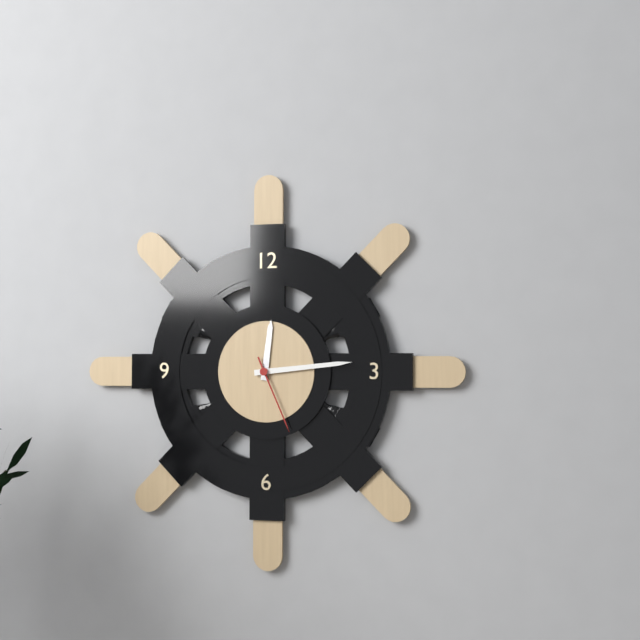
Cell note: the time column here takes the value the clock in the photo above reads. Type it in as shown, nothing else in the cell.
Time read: 12:14:26
